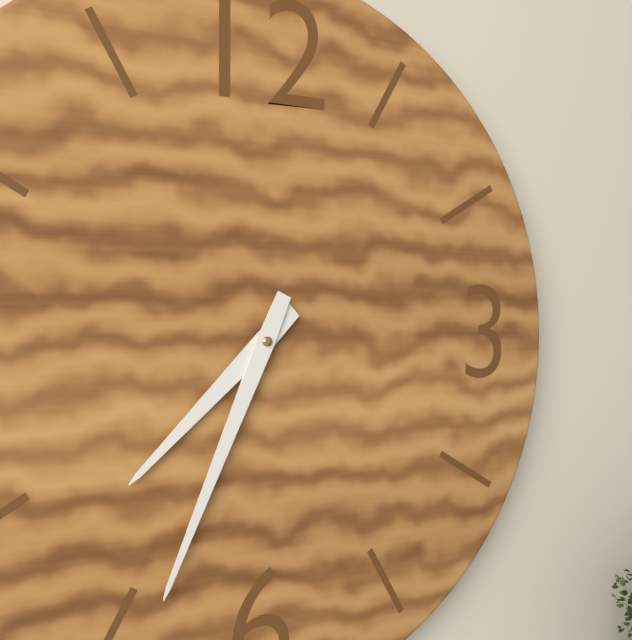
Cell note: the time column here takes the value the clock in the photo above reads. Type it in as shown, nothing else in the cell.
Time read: 7:34
